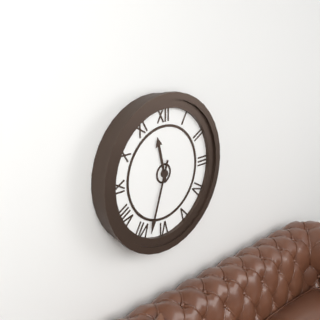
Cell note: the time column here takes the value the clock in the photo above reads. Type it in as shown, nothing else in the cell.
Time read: 11:33
